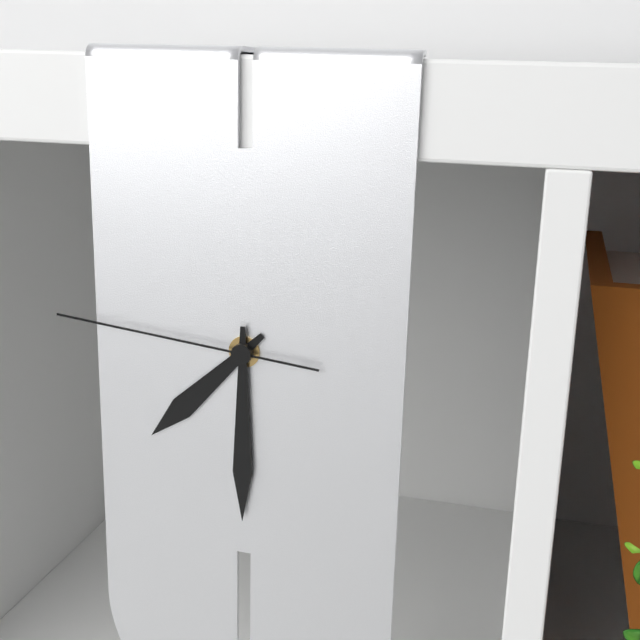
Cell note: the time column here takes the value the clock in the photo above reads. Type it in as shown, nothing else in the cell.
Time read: 7:30:46
